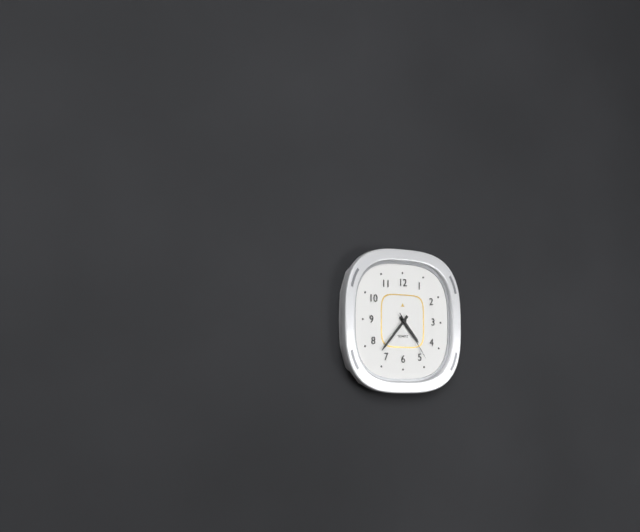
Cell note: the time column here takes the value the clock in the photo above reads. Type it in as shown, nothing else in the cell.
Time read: 4:37:24
